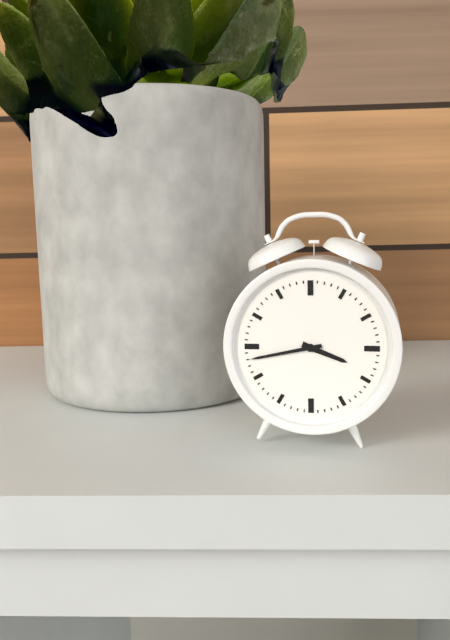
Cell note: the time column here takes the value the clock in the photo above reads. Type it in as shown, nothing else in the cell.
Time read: 3:43
